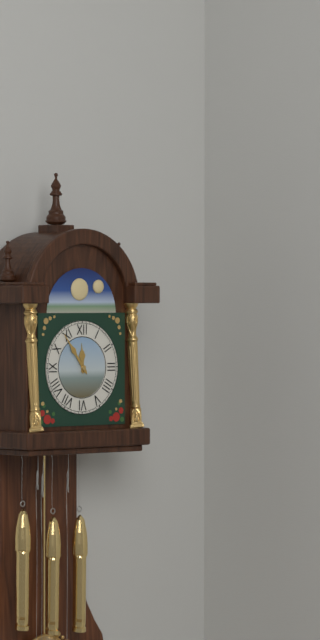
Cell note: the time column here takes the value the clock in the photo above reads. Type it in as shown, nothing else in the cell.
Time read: 11:54
